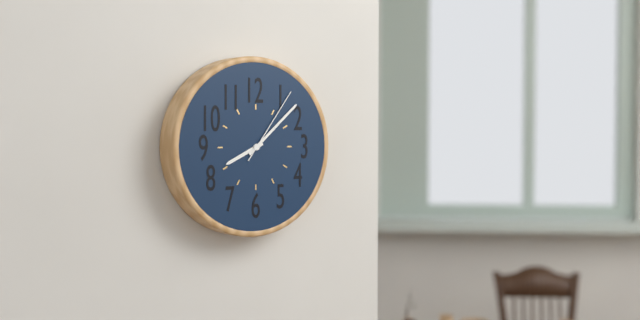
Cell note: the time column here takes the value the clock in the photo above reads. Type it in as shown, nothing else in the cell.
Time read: 8:08:06
